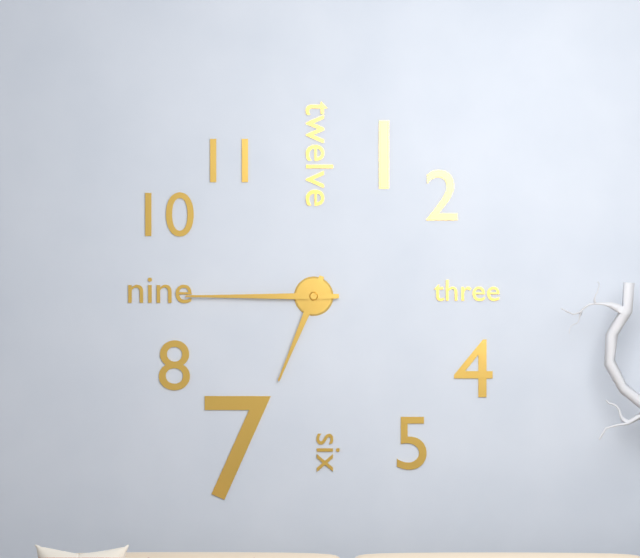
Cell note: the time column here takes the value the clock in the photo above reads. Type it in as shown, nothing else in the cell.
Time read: 6:45
